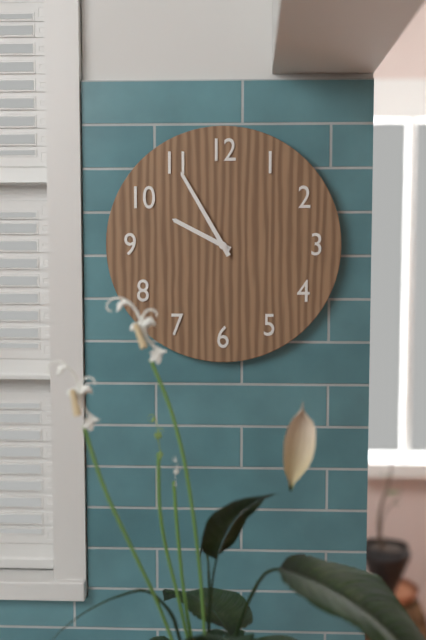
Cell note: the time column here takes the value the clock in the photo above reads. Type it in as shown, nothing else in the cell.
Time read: 9:55
